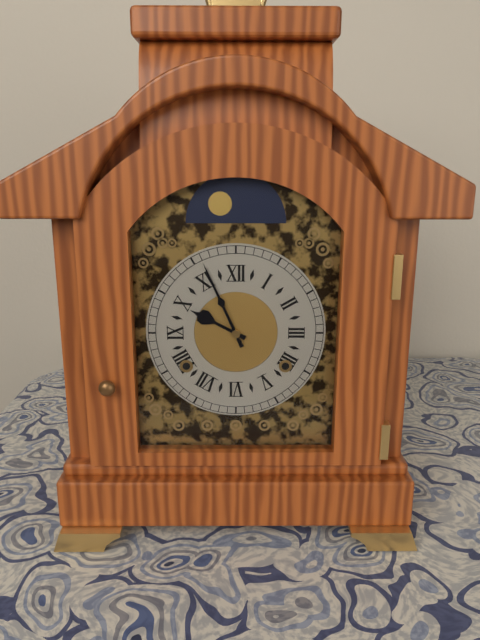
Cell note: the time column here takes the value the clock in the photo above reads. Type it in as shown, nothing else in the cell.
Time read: 9:56
